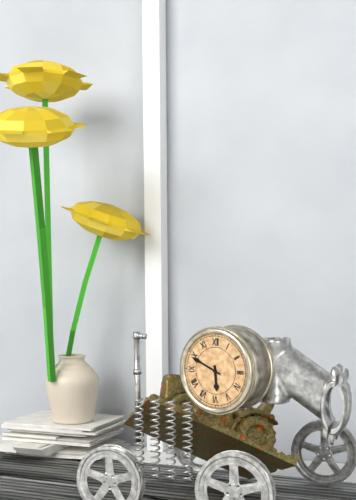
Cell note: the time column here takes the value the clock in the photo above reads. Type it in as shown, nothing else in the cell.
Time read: 5:49
